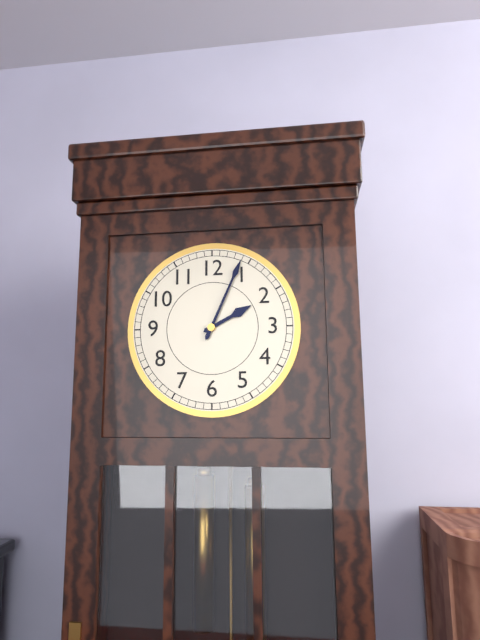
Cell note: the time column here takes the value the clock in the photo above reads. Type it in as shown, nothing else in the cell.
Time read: 2:04
